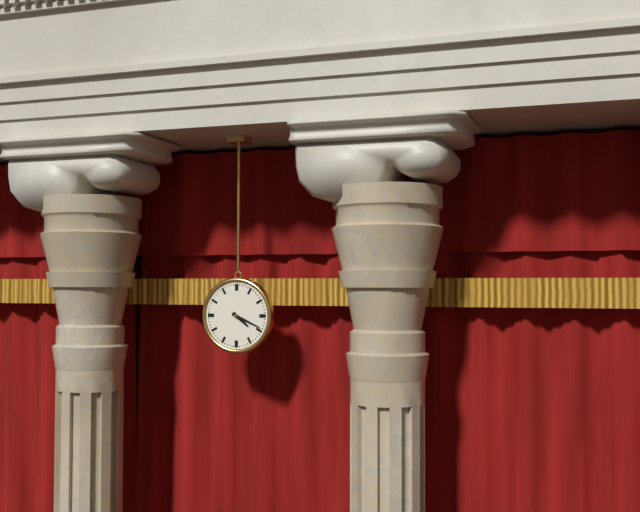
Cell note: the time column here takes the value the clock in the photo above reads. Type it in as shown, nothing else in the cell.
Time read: 4:19
